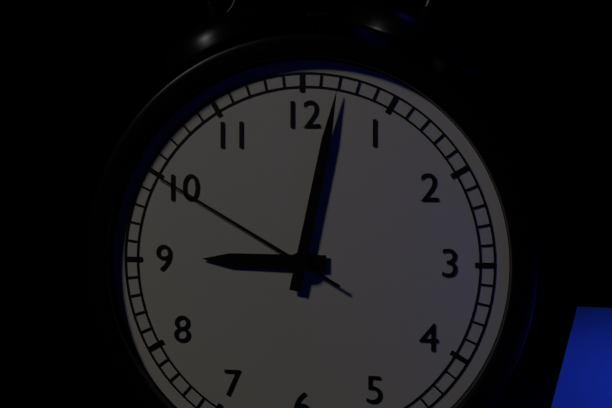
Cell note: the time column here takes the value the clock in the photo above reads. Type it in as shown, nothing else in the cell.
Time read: 9:02:50
